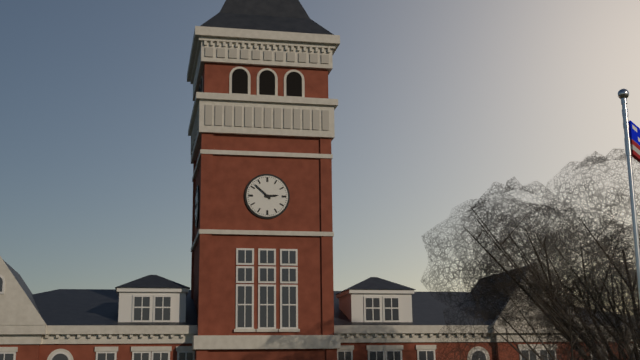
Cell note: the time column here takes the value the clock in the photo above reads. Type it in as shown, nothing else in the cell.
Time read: 2:52
